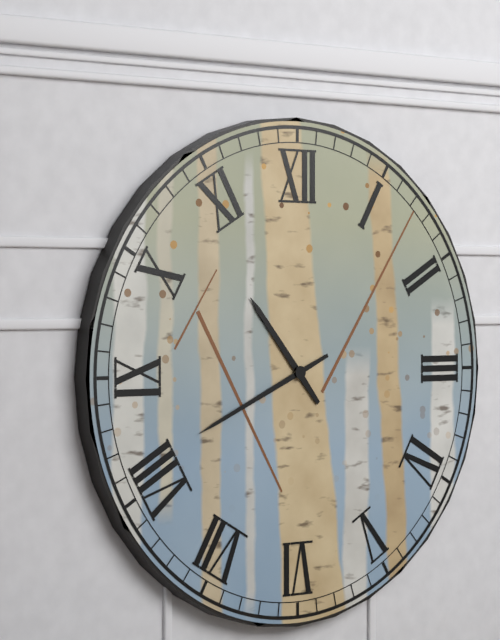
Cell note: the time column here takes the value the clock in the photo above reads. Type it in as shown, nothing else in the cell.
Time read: 10:41
